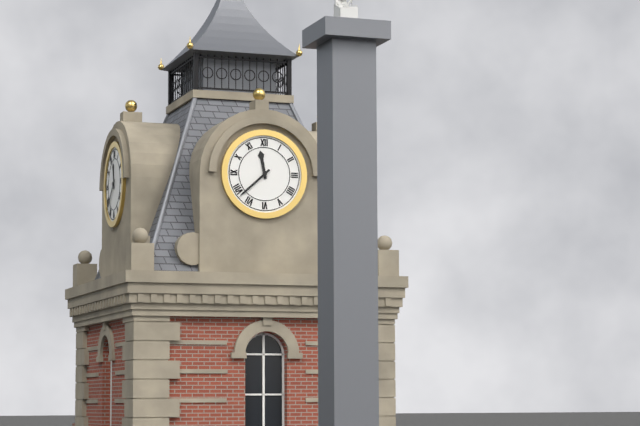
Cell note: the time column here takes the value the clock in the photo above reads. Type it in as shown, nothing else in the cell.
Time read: 11:38
